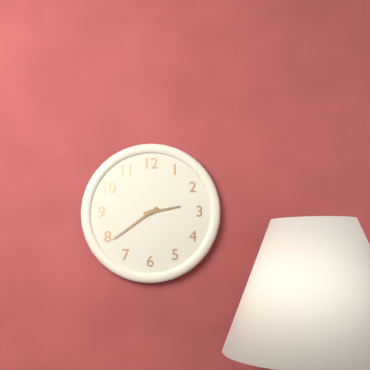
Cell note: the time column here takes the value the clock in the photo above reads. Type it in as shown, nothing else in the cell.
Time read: 2:39
